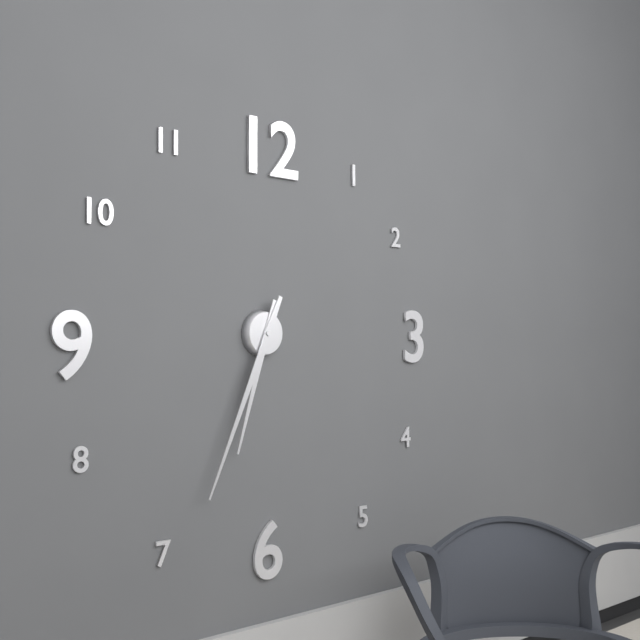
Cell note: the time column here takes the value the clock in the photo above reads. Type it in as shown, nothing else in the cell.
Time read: 6:34
